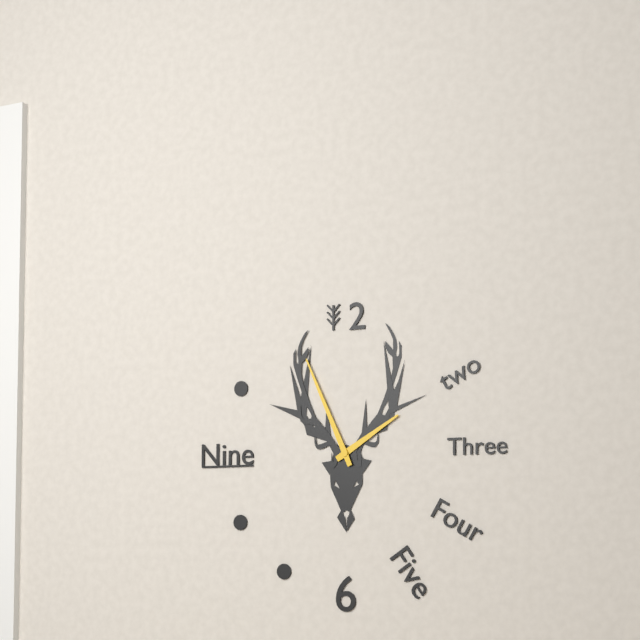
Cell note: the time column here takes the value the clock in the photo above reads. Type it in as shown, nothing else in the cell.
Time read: 1:56
